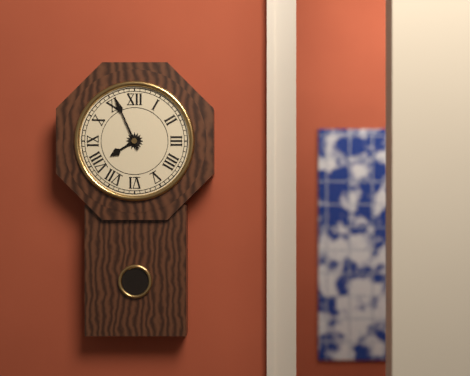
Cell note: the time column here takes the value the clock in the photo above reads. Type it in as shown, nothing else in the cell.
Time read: 7:56
